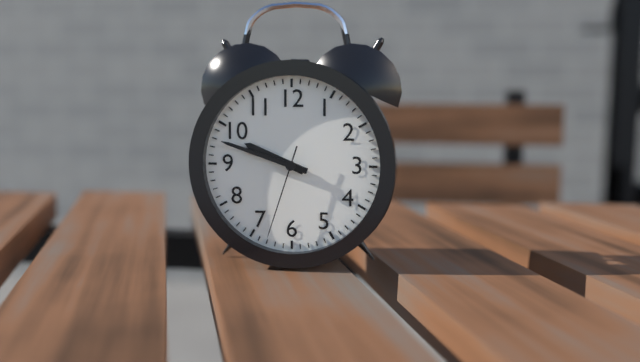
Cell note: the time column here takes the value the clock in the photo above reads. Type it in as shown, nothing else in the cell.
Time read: 9:48:33
